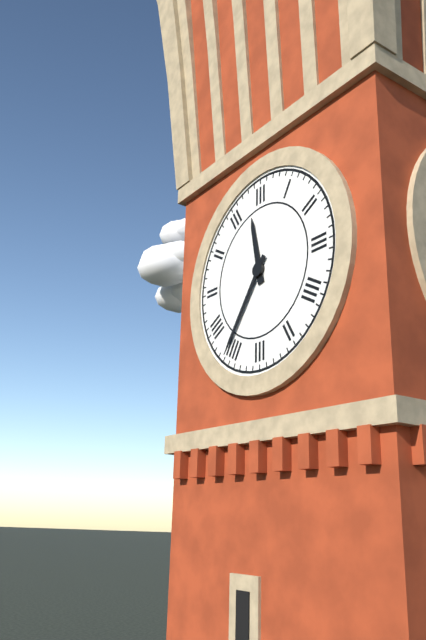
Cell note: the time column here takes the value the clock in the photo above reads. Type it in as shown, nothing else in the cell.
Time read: 11:36
